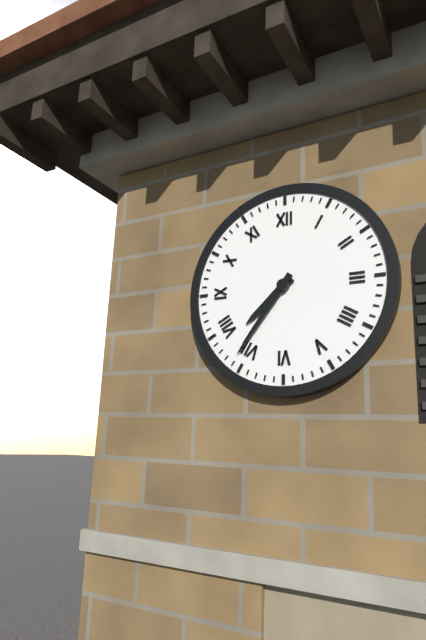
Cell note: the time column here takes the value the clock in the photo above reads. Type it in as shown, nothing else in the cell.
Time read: 7:36
